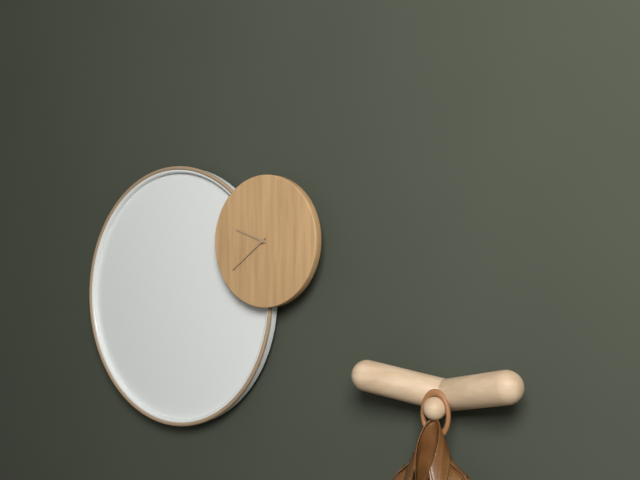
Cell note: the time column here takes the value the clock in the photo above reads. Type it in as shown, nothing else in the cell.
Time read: 9:39
